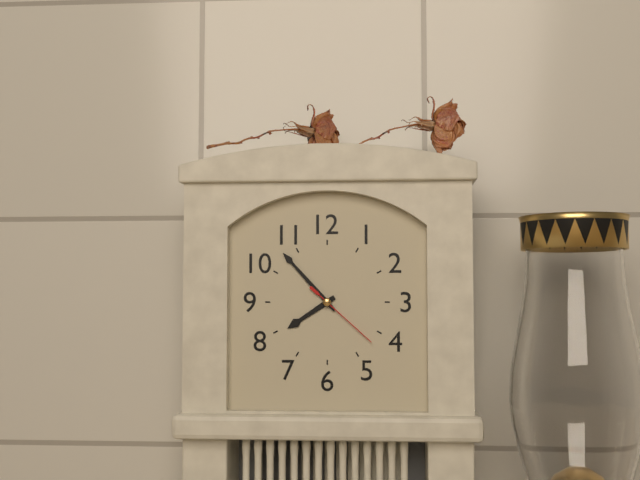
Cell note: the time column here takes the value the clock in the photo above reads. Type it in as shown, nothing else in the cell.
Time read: 7:53:22
